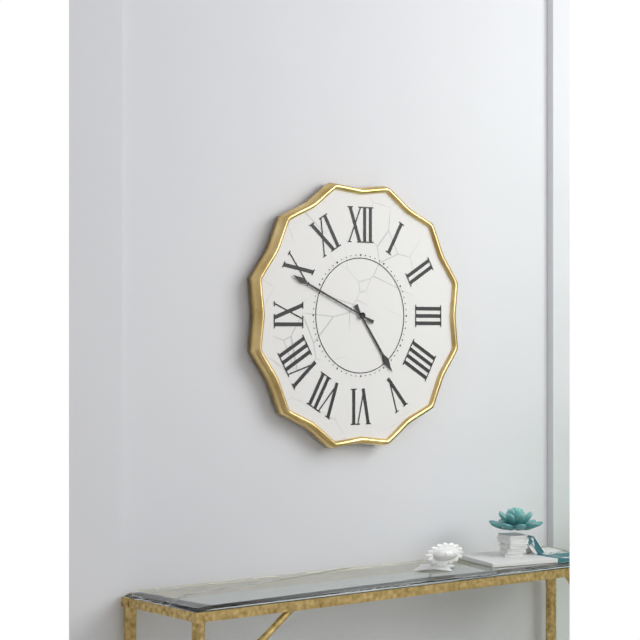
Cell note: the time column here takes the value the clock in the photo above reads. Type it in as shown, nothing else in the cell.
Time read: 4:49
